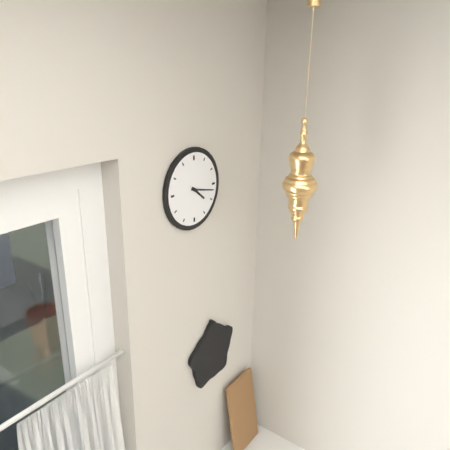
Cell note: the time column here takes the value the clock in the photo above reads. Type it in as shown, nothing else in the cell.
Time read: 4:17
